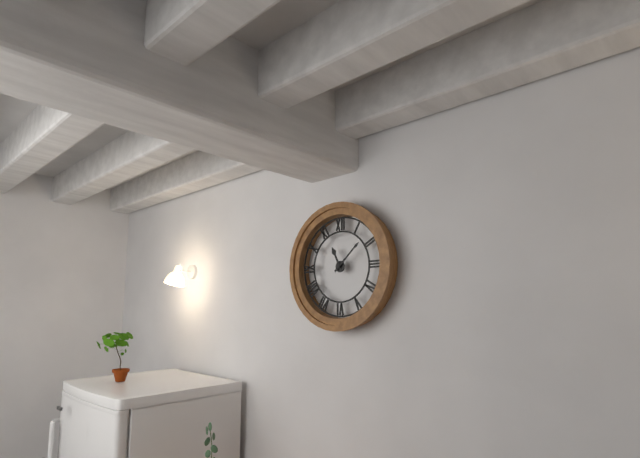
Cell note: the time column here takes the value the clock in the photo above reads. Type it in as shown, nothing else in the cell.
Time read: 11:08
